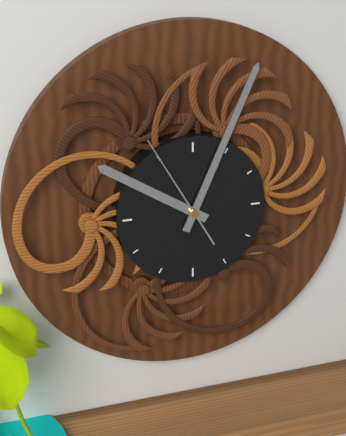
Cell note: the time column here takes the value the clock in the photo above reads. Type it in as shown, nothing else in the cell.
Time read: 10:04:55
